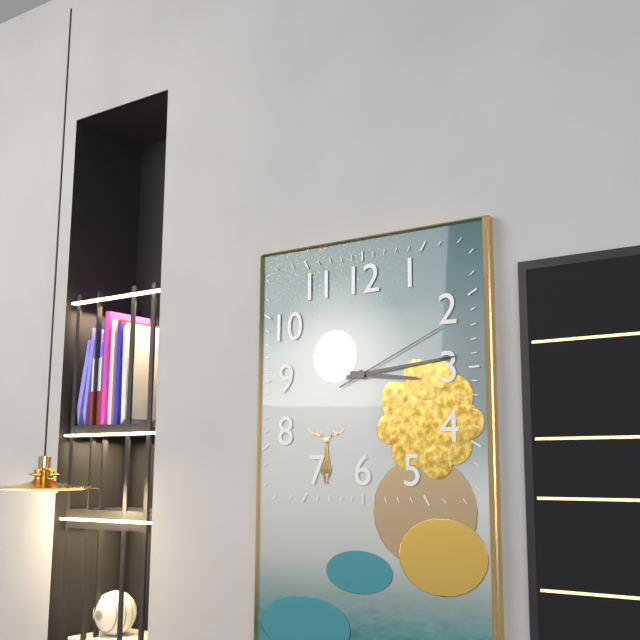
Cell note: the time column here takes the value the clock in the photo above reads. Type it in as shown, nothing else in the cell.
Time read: 3:14:11
